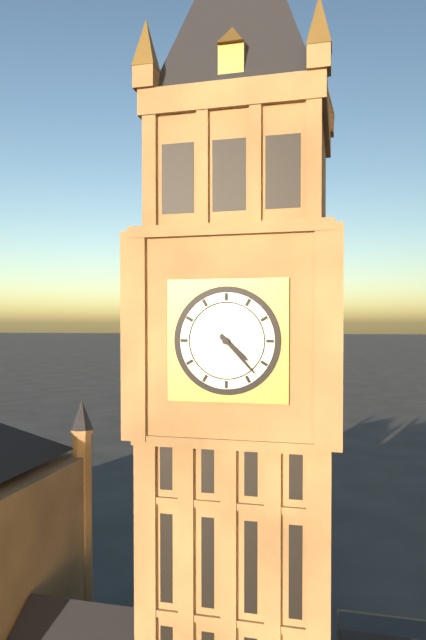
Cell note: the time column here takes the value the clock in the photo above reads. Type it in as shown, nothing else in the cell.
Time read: 4:23
